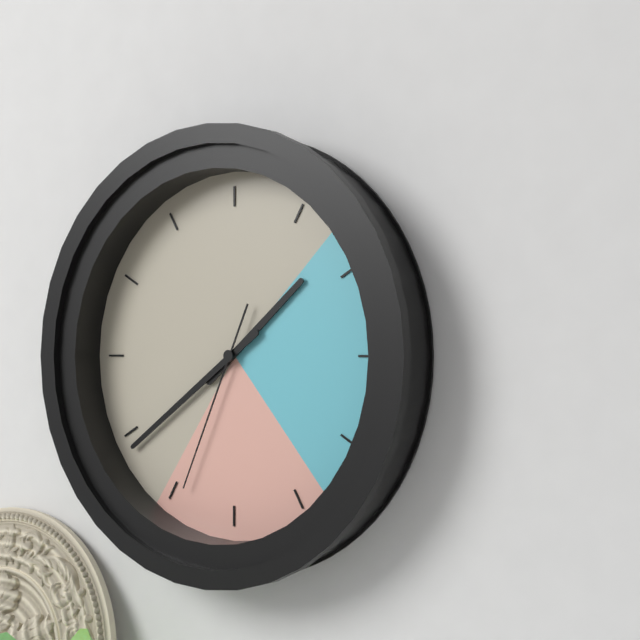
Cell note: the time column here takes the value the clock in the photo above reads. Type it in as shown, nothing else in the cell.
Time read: 1:39:34
